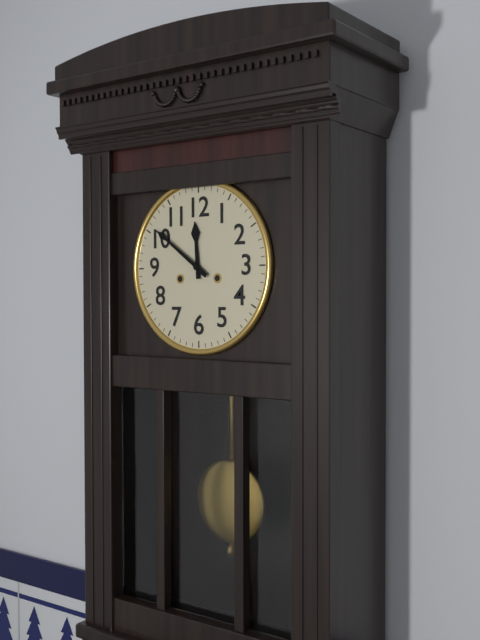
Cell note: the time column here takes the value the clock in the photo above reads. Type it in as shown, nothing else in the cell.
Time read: 11:51
